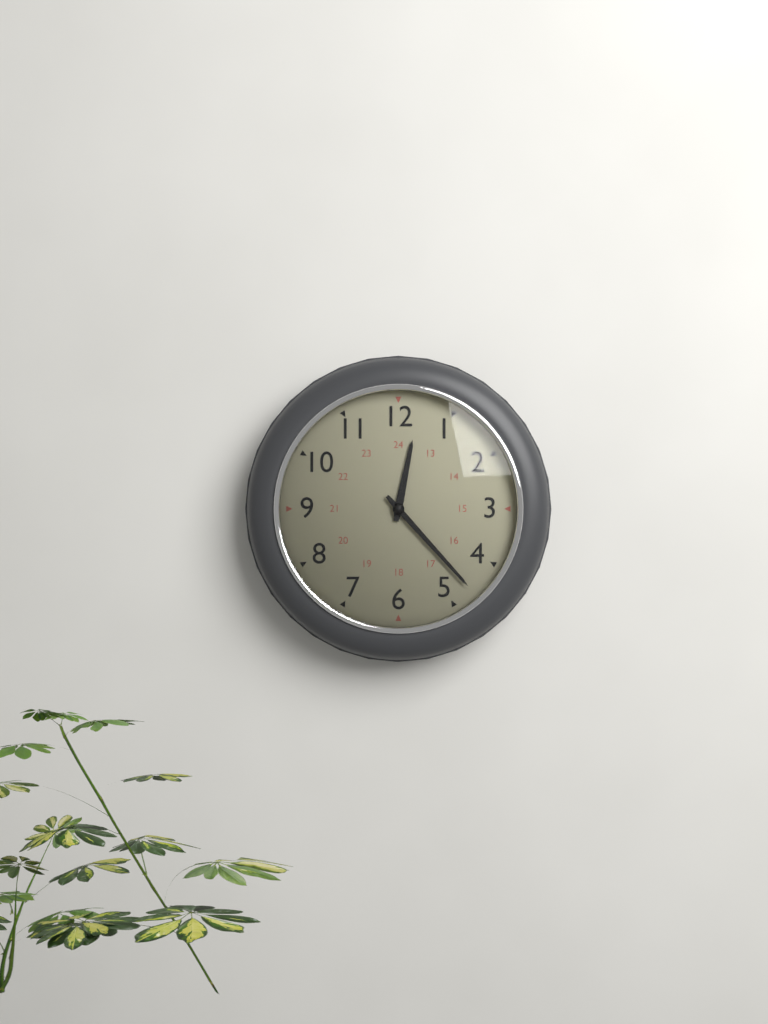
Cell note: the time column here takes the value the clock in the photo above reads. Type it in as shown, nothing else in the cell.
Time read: 12:23
